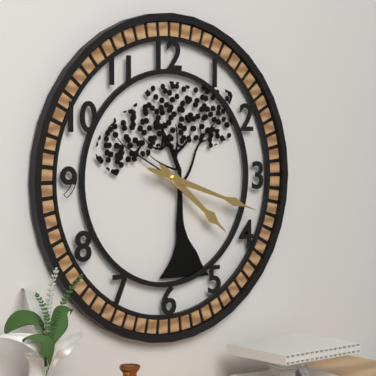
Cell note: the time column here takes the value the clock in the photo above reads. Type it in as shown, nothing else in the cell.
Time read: 4:18
